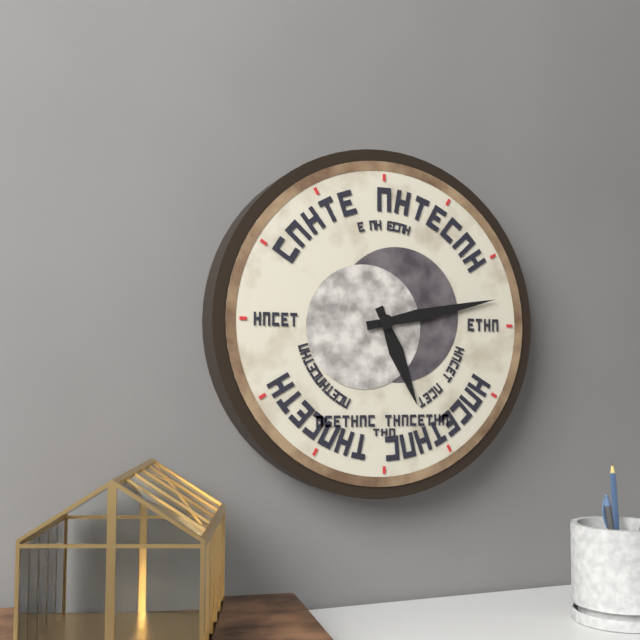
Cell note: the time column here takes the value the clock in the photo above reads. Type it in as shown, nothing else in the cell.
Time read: 5:13
